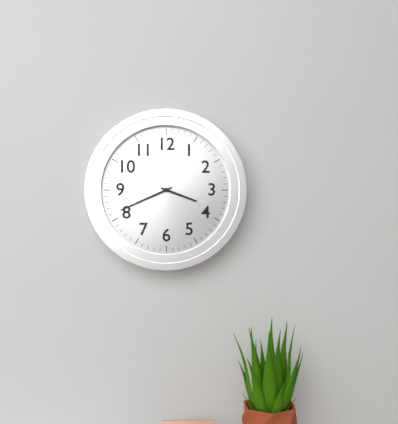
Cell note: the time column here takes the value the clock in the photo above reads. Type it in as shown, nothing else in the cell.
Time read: 3:41
